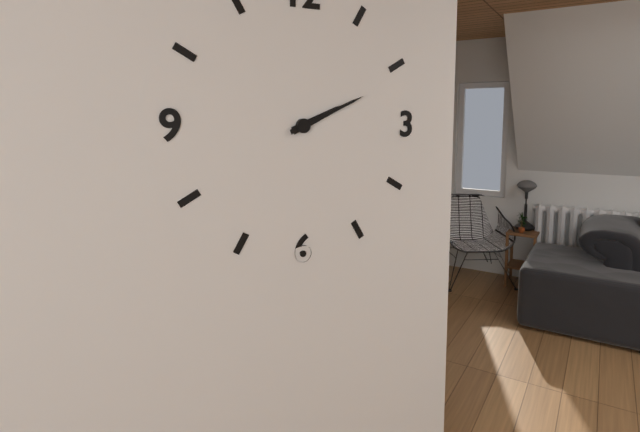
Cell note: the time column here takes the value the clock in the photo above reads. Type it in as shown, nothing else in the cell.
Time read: 2:11
